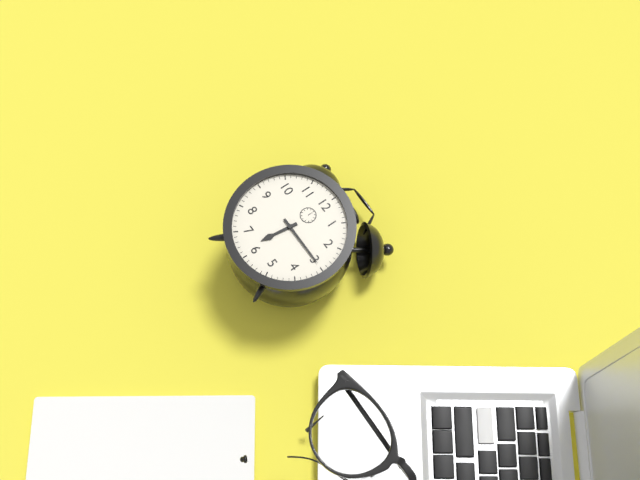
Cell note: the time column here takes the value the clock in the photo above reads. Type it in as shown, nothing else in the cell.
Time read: 6:15
